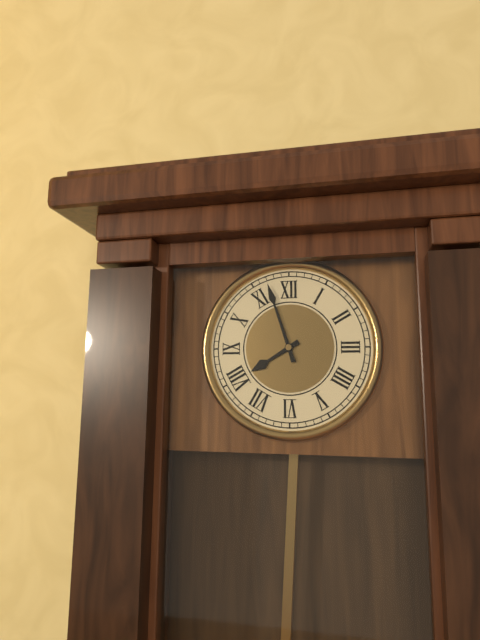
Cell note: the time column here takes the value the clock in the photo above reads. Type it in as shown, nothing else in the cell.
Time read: 7:57
